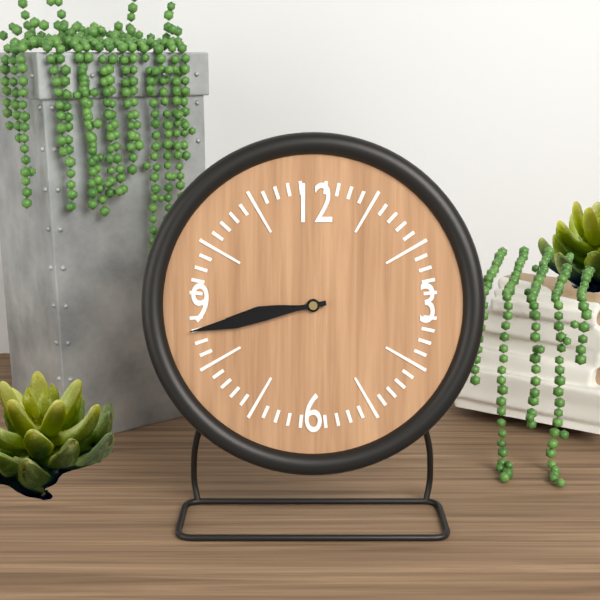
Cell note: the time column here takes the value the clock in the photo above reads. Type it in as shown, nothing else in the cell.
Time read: 8:43
